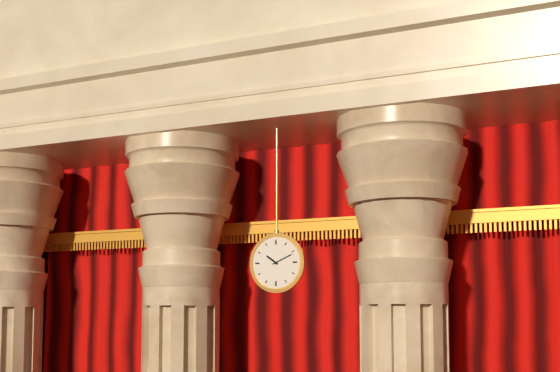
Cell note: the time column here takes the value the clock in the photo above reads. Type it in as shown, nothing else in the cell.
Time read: 10:11
